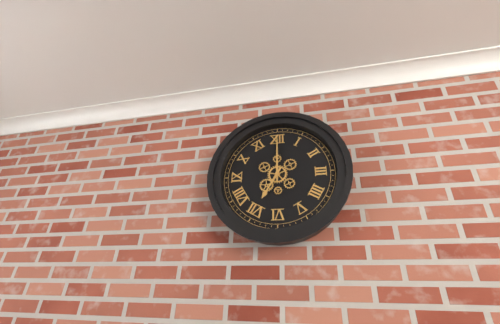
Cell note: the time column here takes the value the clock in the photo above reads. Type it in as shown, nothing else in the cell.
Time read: 7:00
